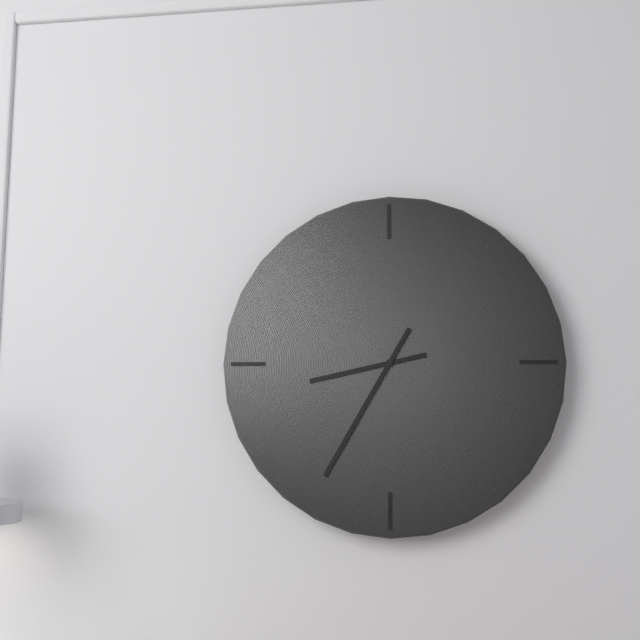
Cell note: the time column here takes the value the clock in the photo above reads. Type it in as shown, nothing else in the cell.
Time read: 8:35
